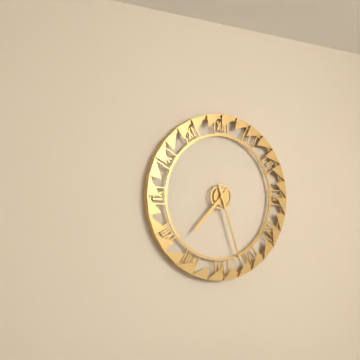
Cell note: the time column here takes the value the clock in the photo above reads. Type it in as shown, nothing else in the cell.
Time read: 7:27
